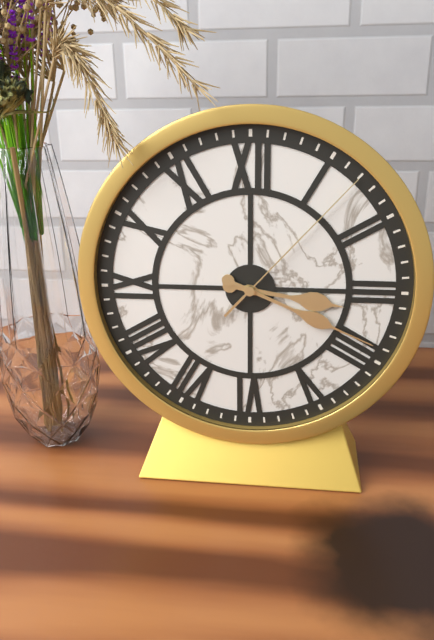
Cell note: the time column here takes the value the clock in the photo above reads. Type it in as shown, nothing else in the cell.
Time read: 3:19:07
